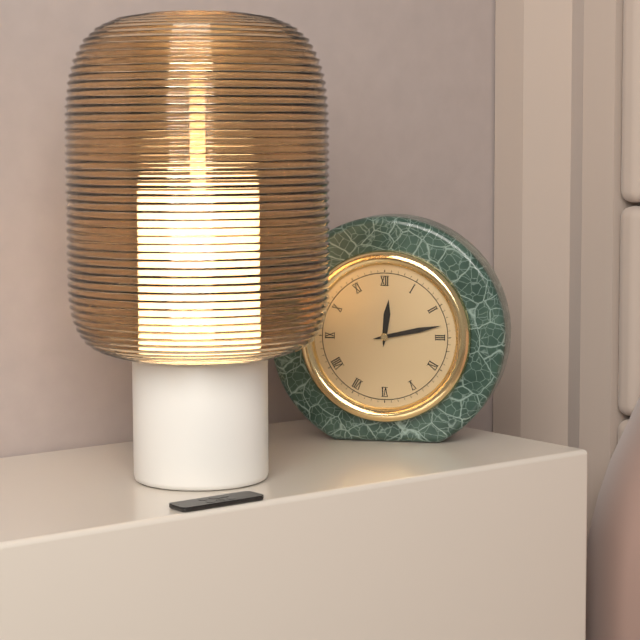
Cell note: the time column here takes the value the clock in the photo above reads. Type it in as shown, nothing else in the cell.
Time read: 12:13
